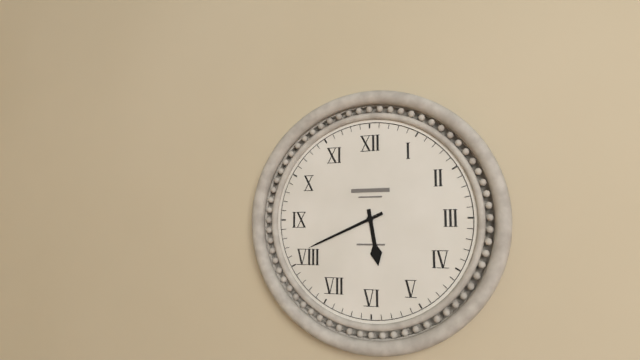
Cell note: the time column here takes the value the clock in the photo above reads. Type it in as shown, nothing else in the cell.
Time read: 5:41
